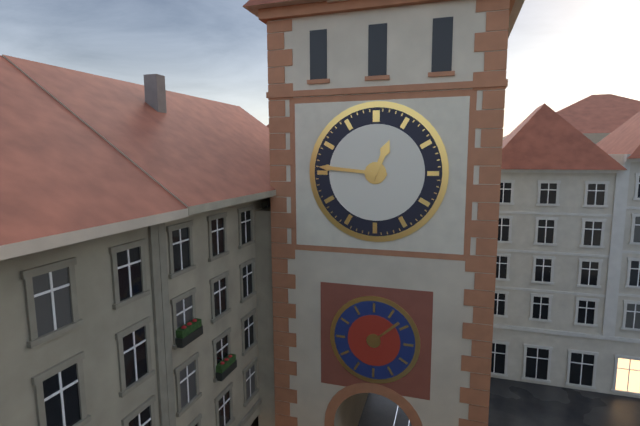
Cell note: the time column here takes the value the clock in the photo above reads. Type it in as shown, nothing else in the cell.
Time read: 12:46
